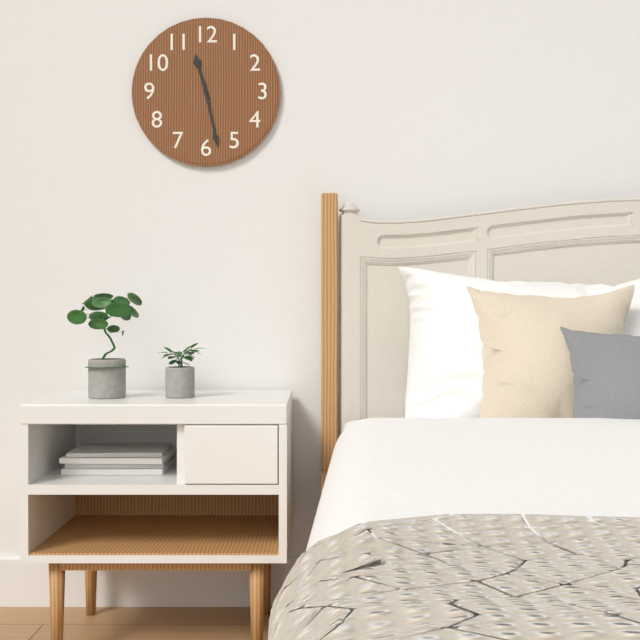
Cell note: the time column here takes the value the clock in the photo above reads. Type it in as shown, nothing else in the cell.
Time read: 11:28
